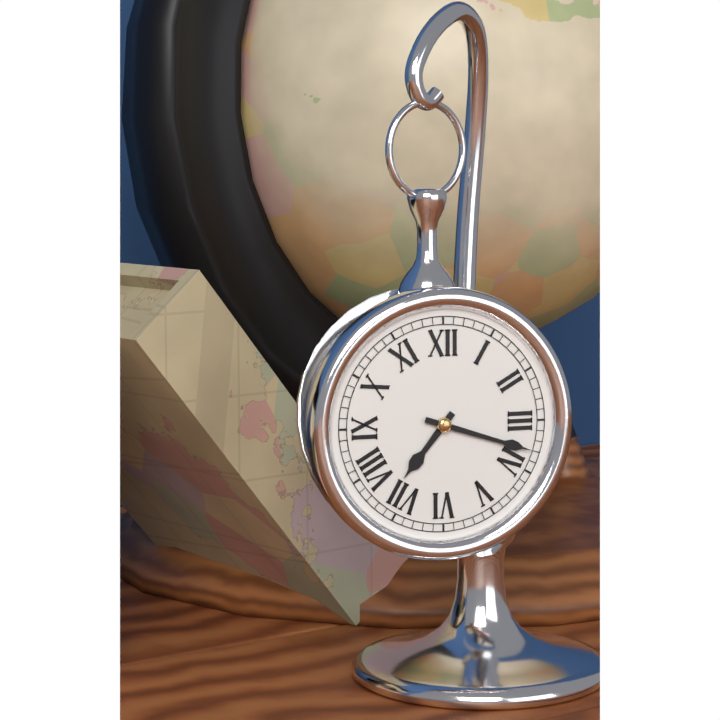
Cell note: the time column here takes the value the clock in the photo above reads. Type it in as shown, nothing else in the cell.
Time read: 7:18
